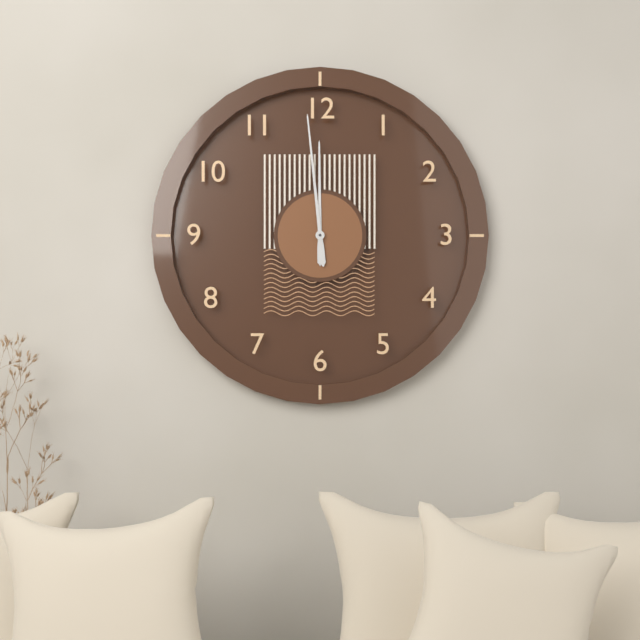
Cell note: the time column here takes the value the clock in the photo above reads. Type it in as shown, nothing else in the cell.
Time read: 11:59
